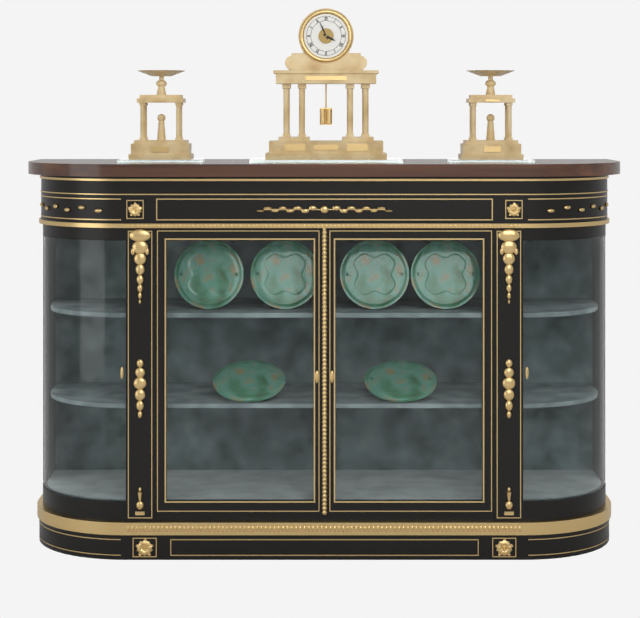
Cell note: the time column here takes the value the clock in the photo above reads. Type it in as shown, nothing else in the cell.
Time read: 3:56
